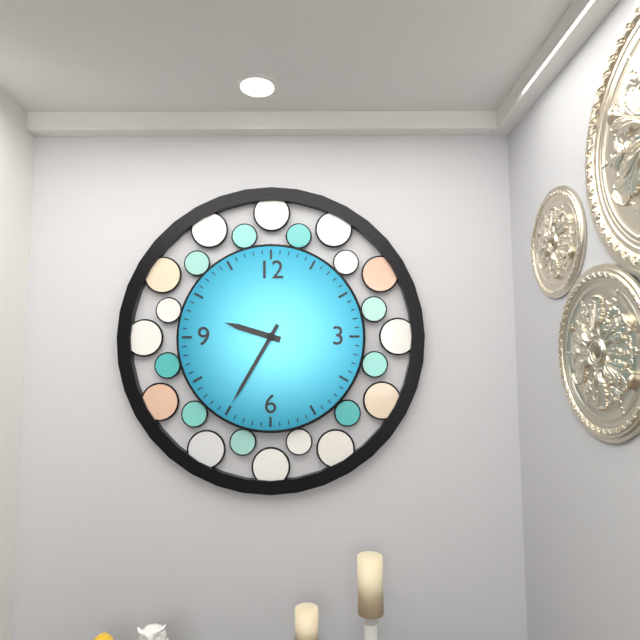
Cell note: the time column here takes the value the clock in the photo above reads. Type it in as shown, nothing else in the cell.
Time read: 9:35
